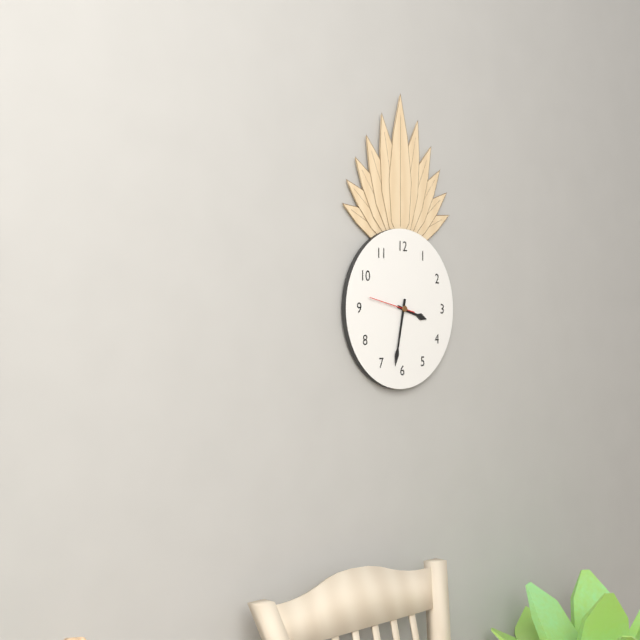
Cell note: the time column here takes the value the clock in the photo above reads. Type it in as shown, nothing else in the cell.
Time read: 3:32
